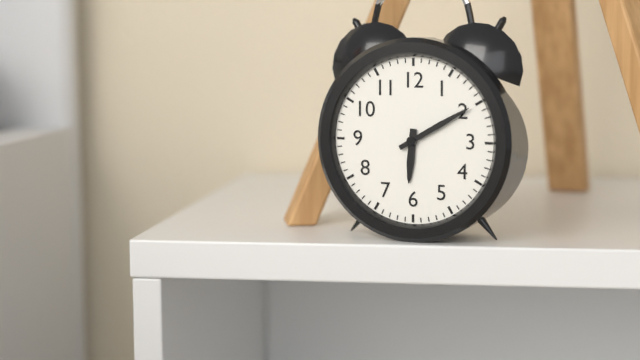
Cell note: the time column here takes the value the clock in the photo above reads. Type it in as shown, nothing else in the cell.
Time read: 6:10
